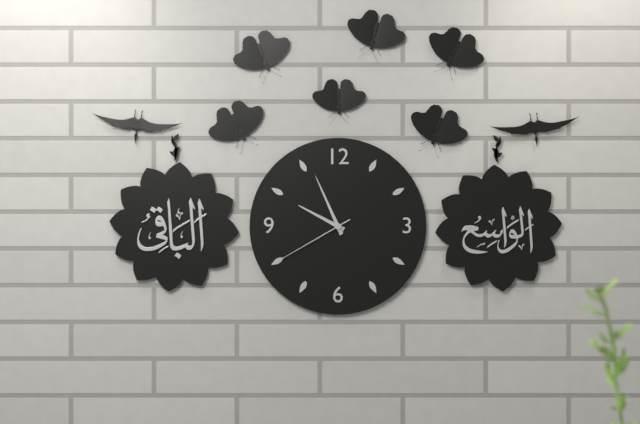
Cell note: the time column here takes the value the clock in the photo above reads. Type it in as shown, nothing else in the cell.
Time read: 9:56:40
